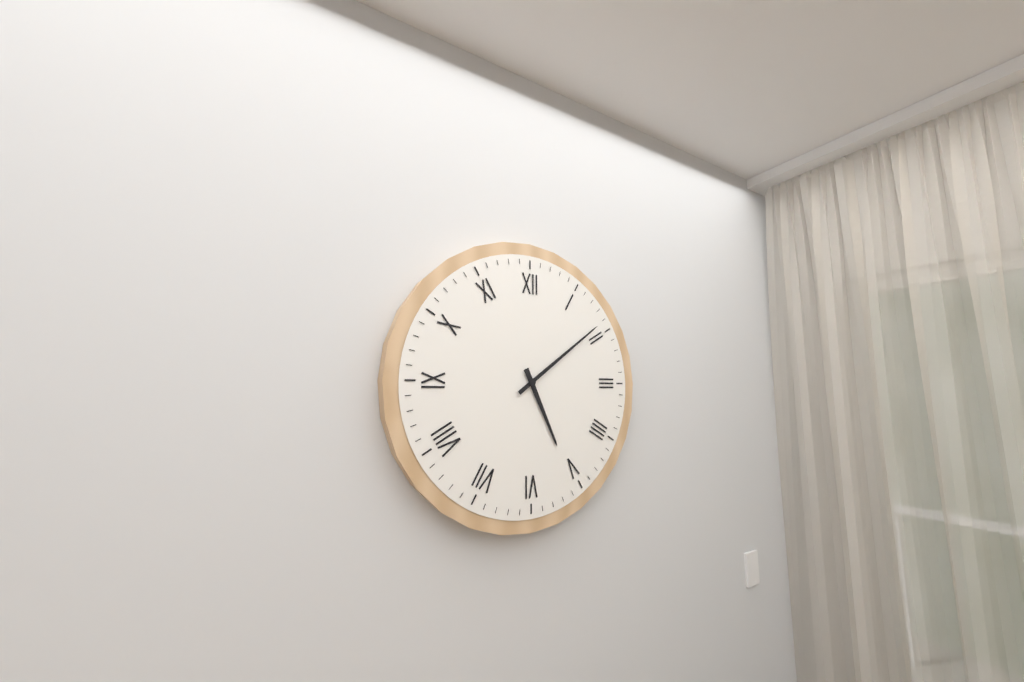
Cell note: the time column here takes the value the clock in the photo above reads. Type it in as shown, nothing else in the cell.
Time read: 5:09
